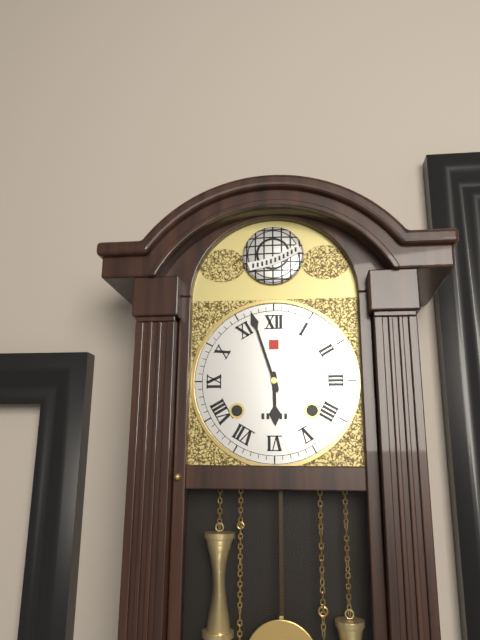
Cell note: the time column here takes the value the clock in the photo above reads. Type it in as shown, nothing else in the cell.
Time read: 5:57
